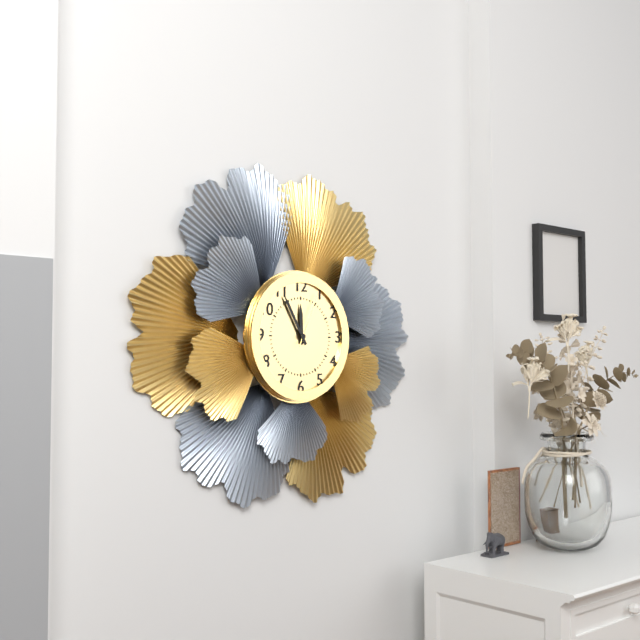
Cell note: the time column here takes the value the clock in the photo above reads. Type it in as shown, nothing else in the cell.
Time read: 11:55:04
